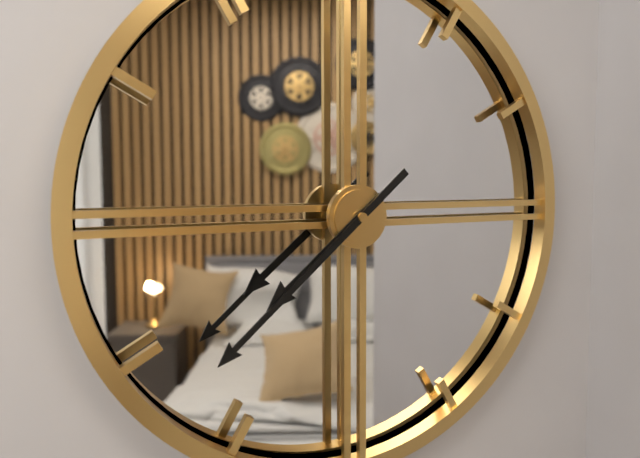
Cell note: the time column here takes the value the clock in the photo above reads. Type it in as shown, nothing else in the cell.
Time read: 7:38
